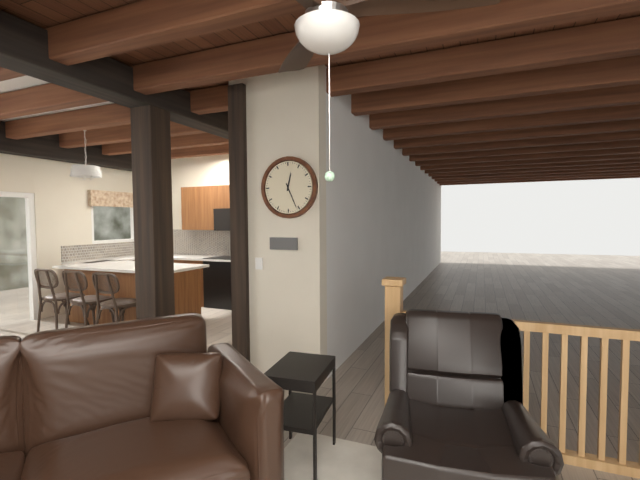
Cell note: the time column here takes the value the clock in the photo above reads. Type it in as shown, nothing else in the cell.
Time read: 12:26
